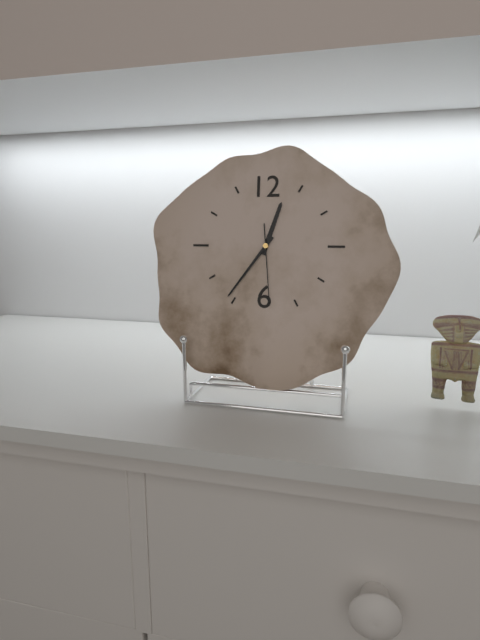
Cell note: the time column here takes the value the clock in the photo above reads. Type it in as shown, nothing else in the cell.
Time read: 12:36:29
